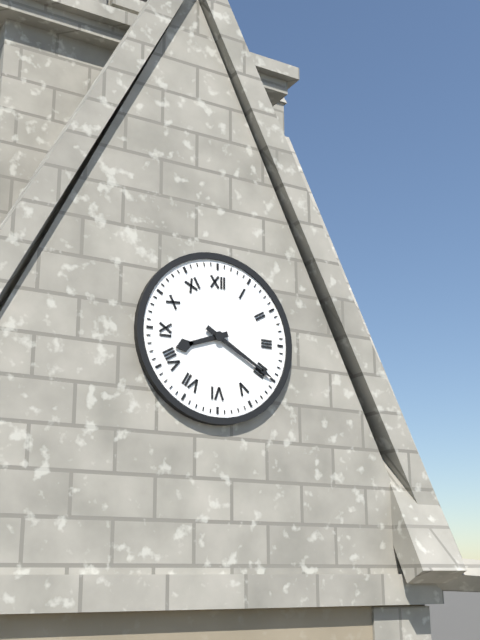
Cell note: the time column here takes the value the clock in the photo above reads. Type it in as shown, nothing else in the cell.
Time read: 8:20
